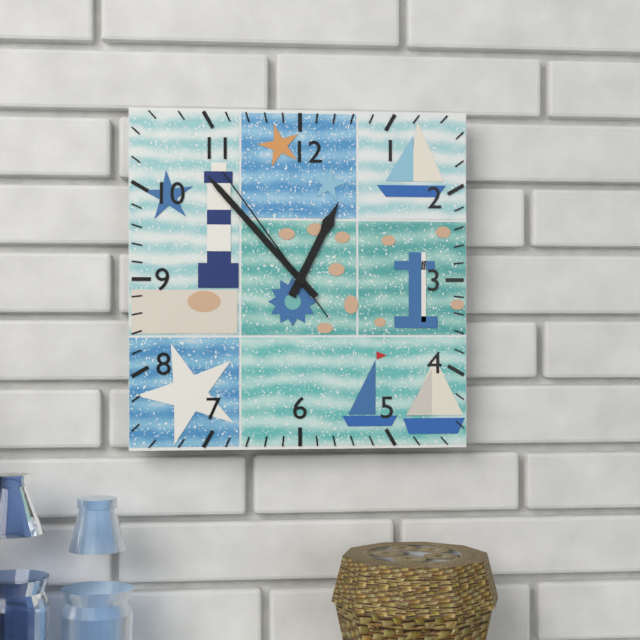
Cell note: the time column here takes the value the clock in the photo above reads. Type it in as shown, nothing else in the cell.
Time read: 12:53:54
